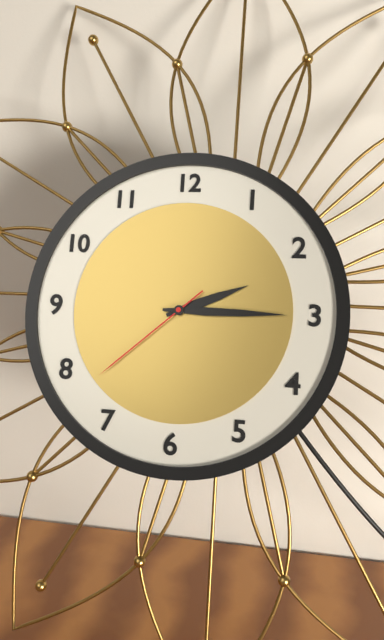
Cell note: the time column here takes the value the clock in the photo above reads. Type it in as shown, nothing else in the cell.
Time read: 2:15:38
